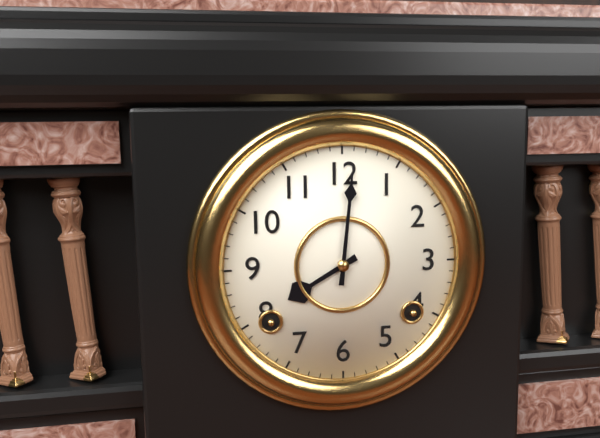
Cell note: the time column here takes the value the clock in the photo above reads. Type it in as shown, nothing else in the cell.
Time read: 8:01
